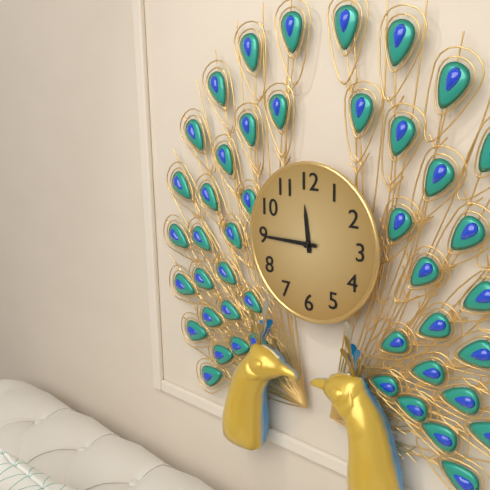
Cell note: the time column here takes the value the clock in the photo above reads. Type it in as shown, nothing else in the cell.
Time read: 11:45
